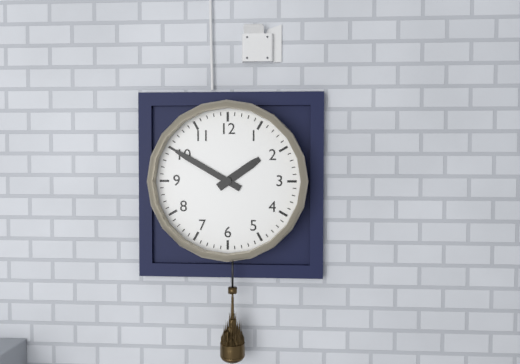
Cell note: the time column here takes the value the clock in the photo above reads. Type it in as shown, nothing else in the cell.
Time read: 1:50
